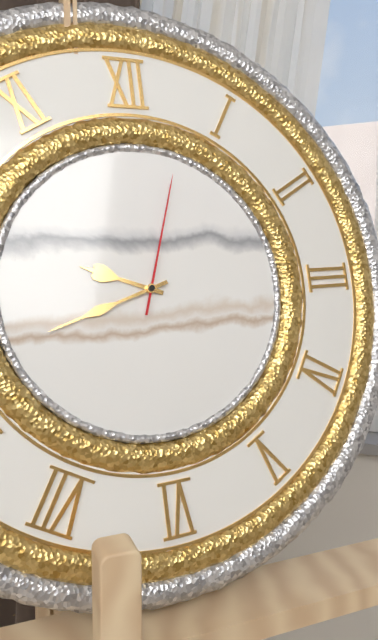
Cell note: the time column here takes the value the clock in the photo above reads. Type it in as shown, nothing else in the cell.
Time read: 9:42:03
